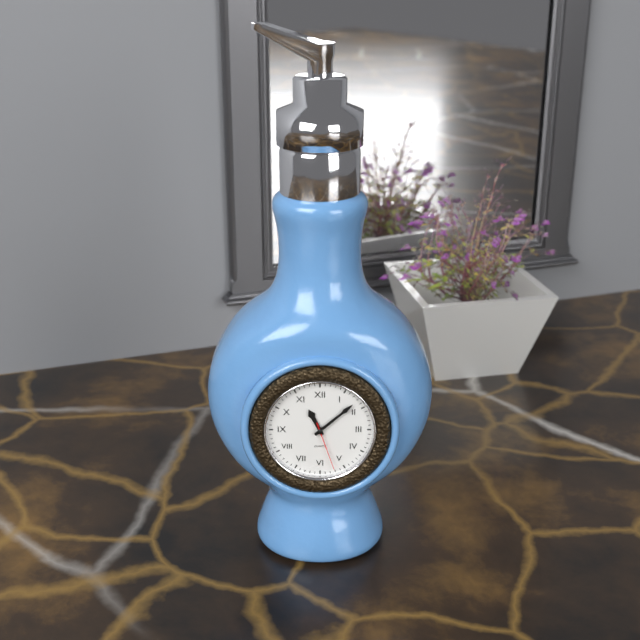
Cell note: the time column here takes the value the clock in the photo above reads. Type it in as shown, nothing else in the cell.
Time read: 11:08:27
